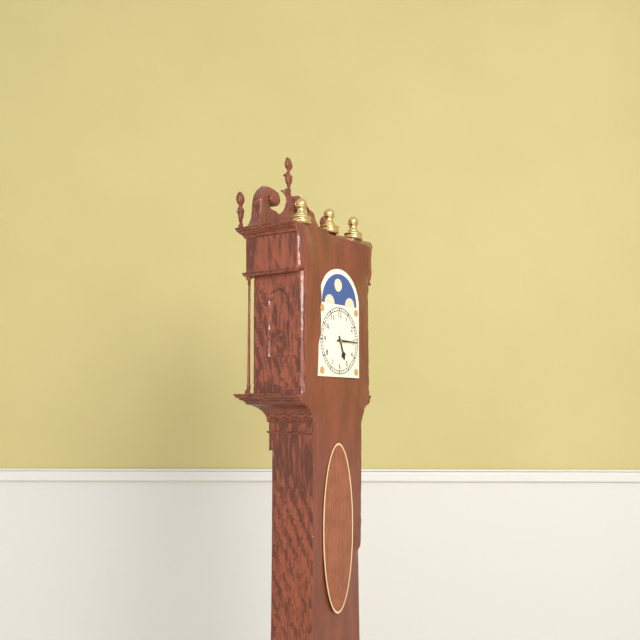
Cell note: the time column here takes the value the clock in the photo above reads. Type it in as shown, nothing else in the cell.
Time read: 5:15
